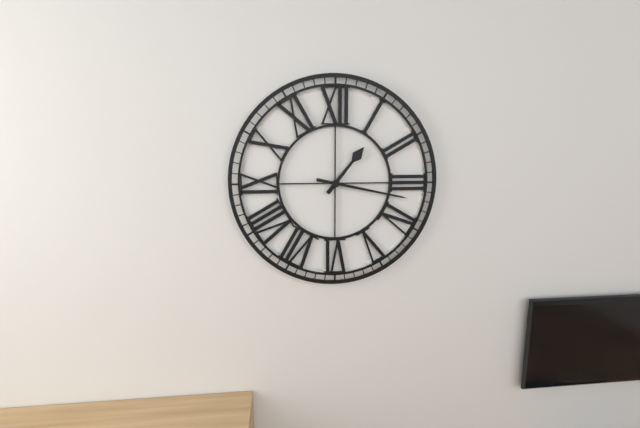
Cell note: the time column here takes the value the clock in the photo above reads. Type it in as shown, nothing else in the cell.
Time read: 1:17
